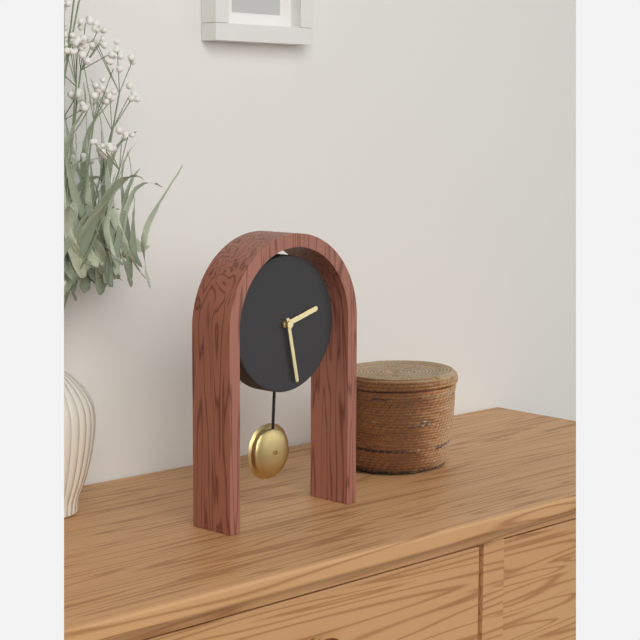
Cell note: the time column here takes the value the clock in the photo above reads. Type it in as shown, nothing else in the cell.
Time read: 2:28
